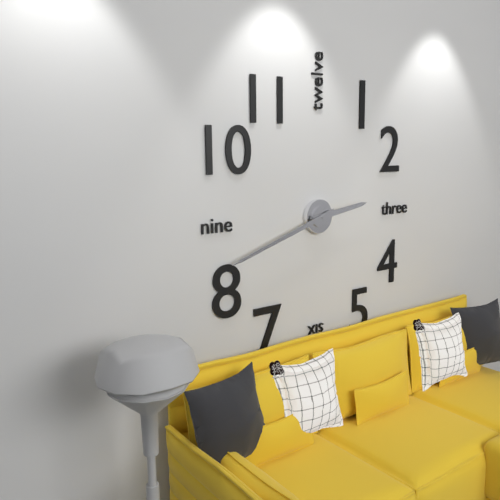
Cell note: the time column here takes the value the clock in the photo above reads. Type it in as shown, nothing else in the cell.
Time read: 2:42
